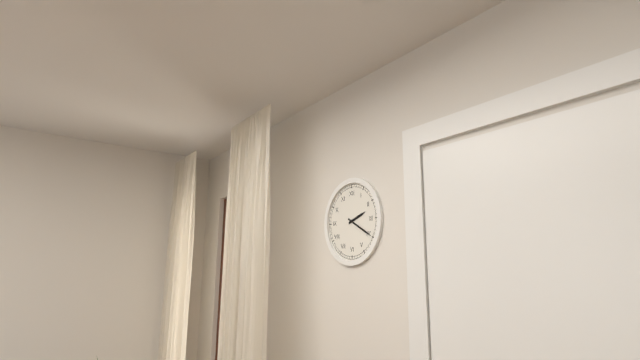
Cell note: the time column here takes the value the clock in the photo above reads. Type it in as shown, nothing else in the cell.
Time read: 2:20
